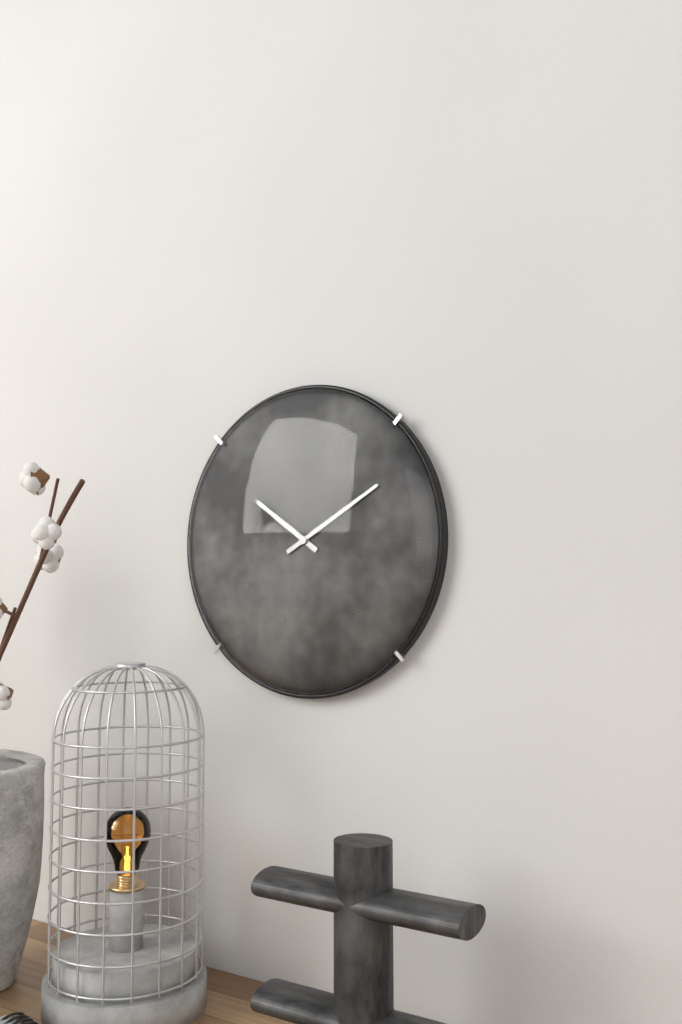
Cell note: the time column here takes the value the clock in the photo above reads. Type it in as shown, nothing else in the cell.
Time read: 10:10
